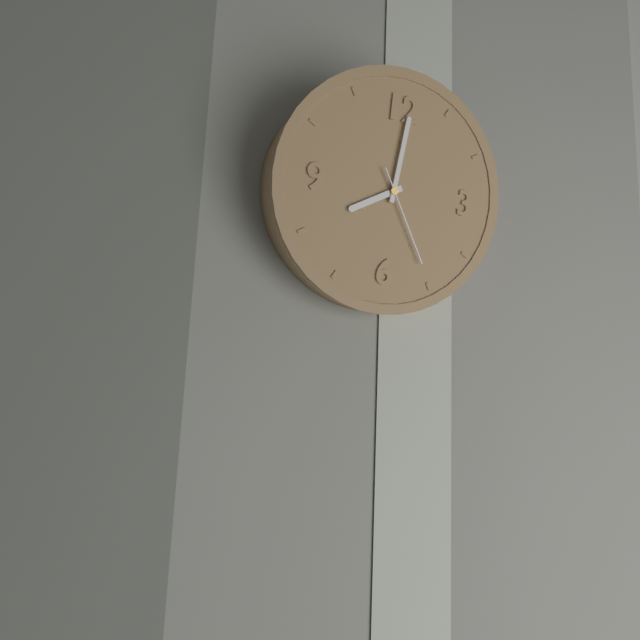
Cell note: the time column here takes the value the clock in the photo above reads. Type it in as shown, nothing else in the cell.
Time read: 8:01:25
